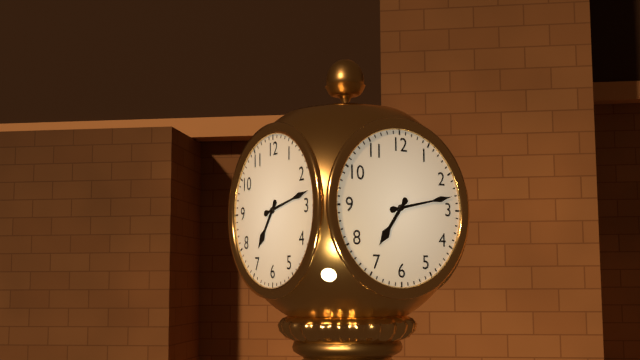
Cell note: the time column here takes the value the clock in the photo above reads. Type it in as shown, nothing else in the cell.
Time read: 7:13
